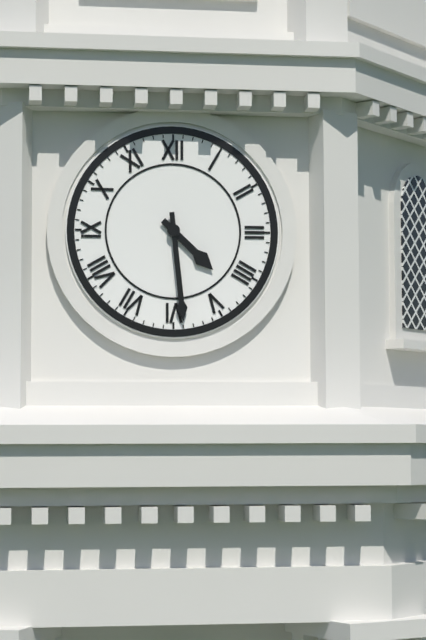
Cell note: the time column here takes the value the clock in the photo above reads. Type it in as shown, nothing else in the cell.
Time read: 4:29
